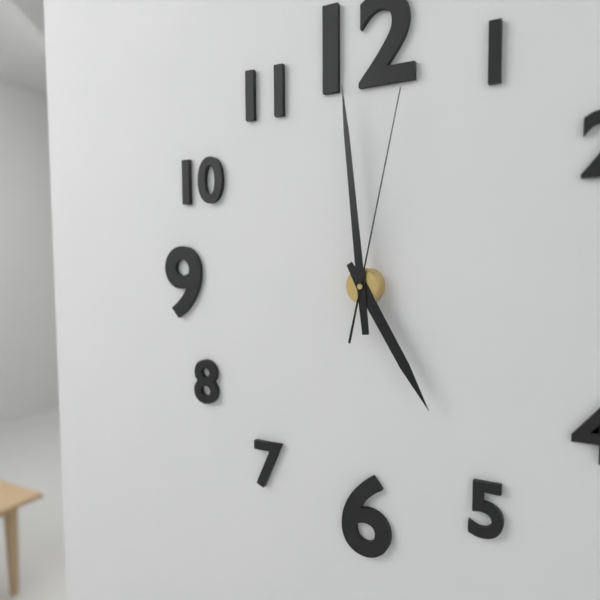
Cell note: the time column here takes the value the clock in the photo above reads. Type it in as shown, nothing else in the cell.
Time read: 4:59:02
